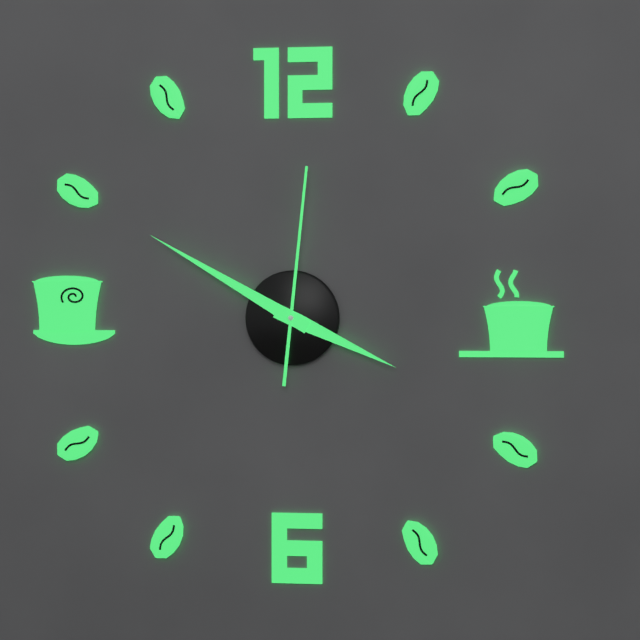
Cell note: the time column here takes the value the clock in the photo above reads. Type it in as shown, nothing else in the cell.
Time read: 3:50:01
